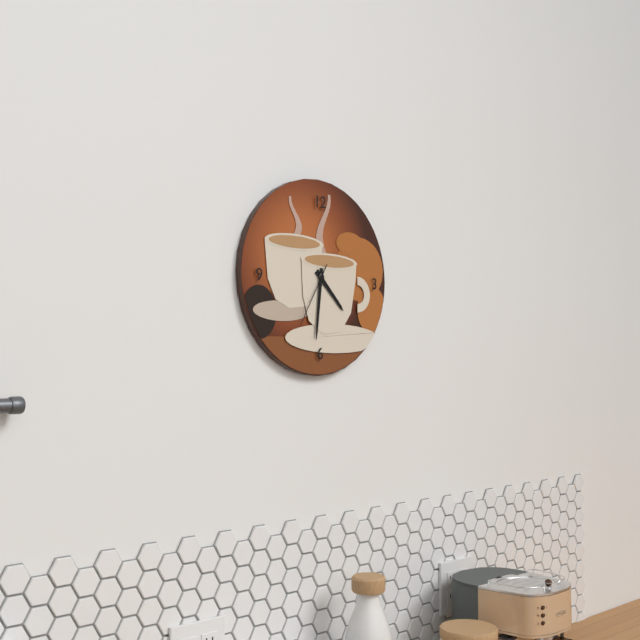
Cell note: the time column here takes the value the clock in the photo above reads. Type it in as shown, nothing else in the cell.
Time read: 4:31:35
